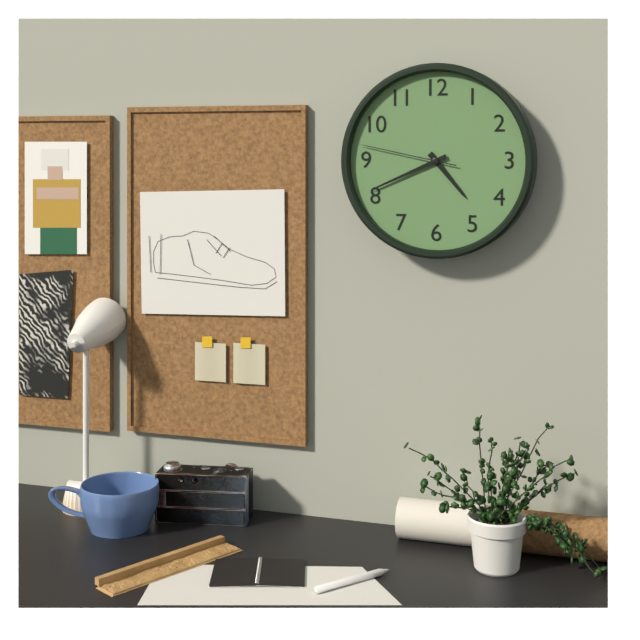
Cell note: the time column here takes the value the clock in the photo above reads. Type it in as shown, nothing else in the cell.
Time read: 4:41:47
